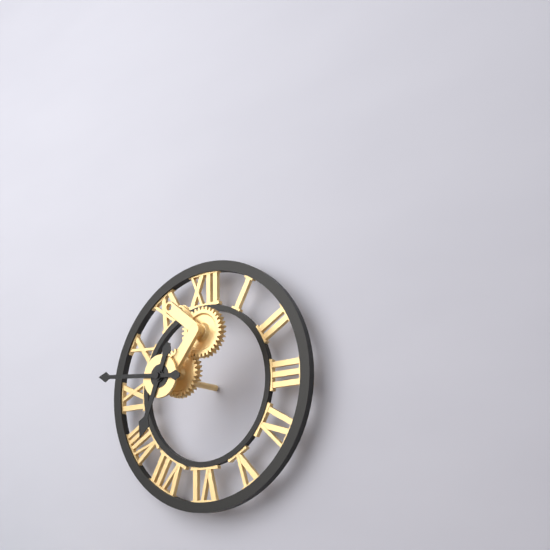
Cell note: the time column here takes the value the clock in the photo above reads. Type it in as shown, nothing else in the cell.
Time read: 6:46
